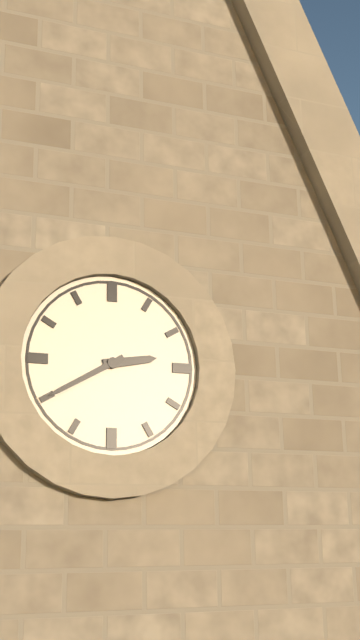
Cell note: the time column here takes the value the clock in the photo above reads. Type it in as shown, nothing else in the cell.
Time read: 2:40
